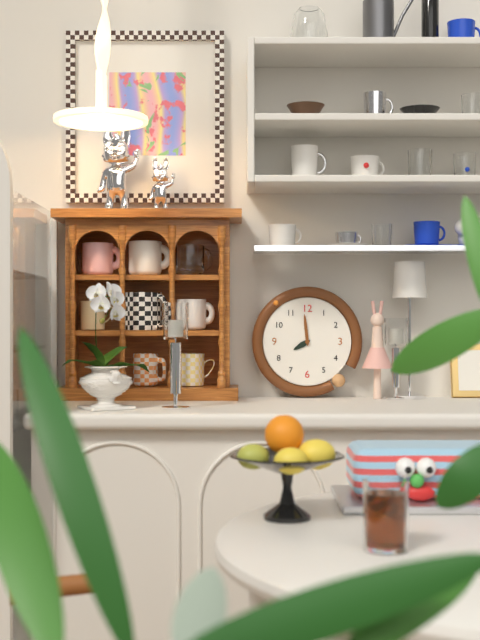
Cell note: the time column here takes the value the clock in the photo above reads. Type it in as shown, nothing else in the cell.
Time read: 7:59
